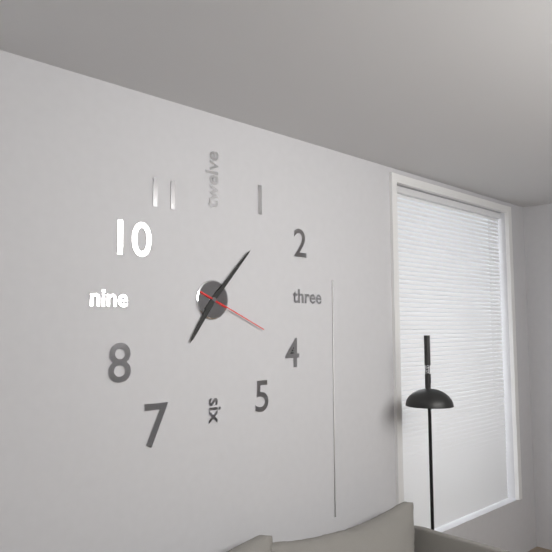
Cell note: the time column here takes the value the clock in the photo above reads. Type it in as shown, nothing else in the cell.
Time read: 7:07:19
